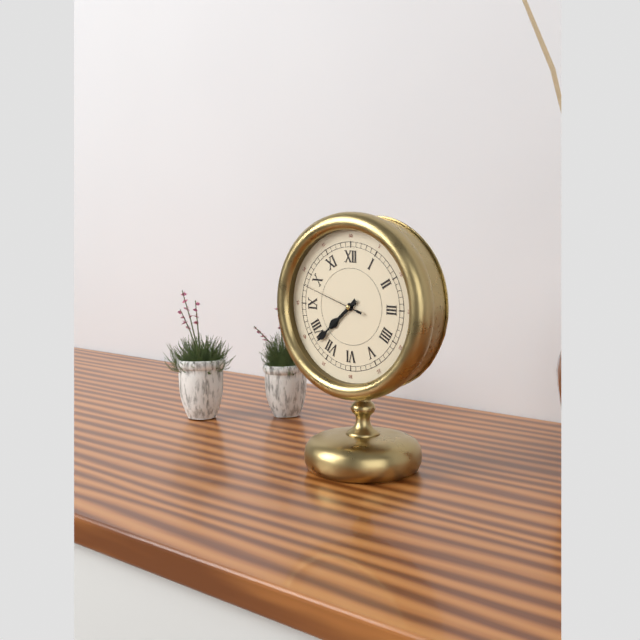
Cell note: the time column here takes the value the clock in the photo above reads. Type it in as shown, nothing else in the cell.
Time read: 7:38:48
